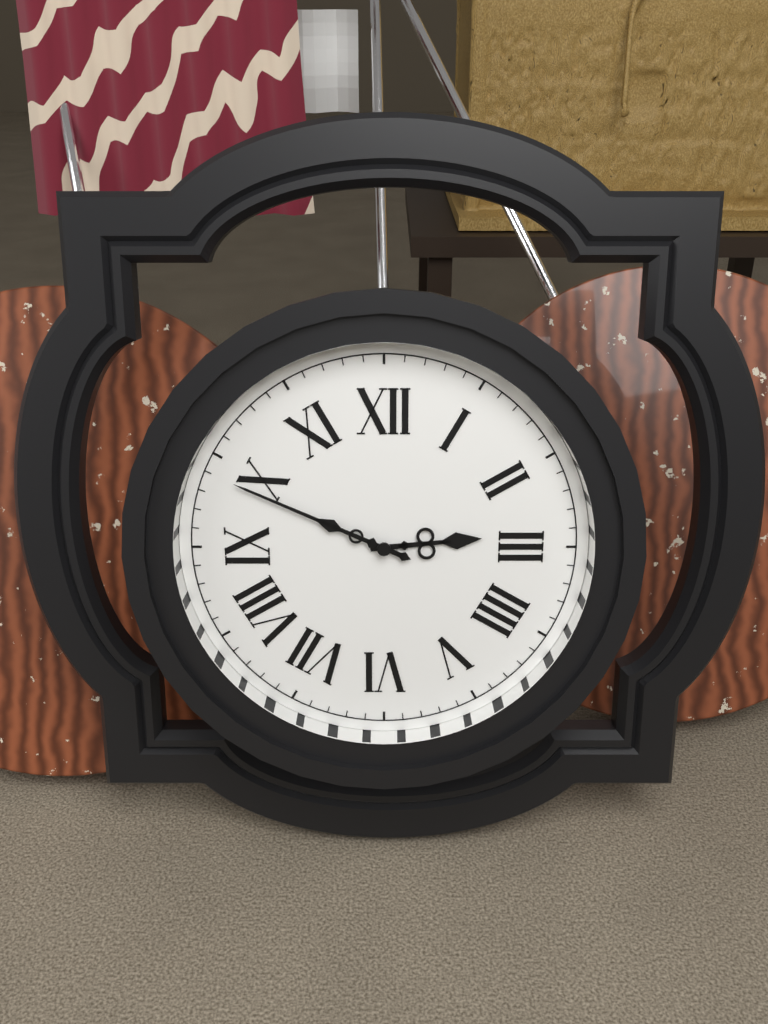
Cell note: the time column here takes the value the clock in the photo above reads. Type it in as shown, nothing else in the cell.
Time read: 2:49
